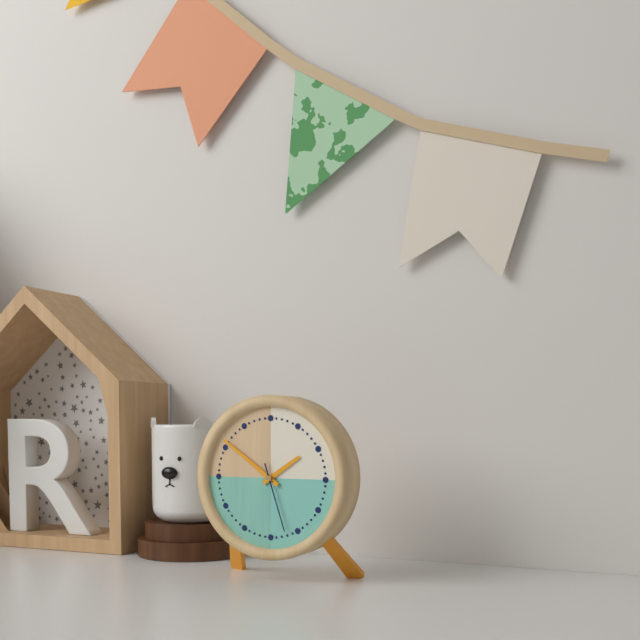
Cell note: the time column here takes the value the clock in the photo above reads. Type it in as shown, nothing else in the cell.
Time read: 1:51:27
